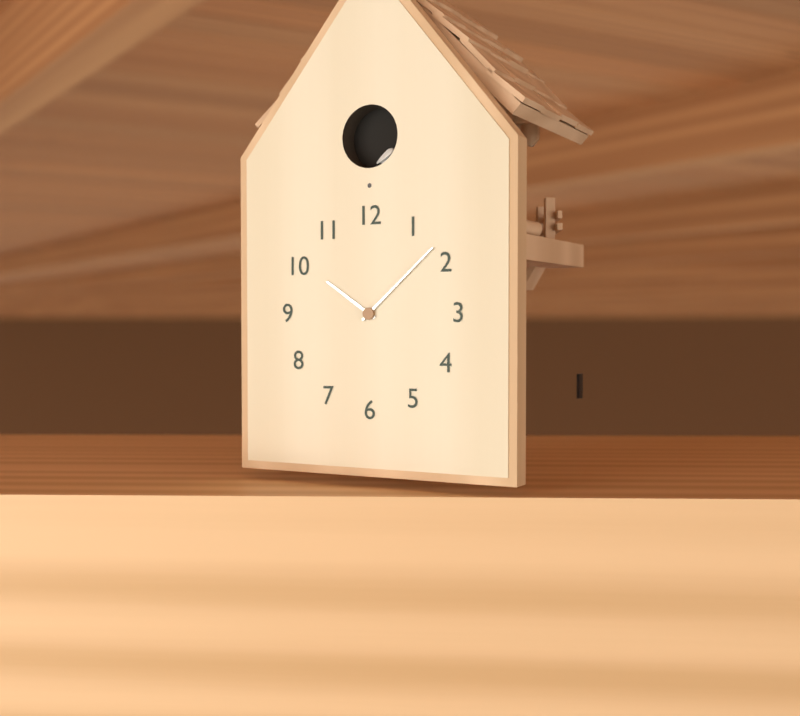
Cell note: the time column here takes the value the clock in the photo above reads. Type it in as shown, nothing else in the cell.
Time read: 10:08
